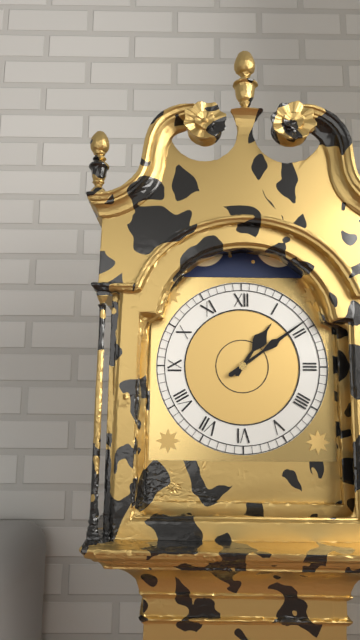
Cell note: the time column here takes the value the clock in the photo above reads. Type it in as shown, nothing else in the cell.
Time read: 1:09
